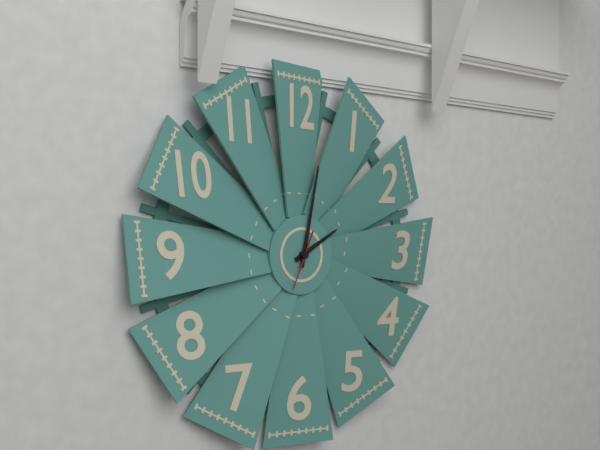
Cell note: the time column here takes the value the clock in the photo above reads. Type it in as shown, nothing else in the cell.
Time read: 2:02
